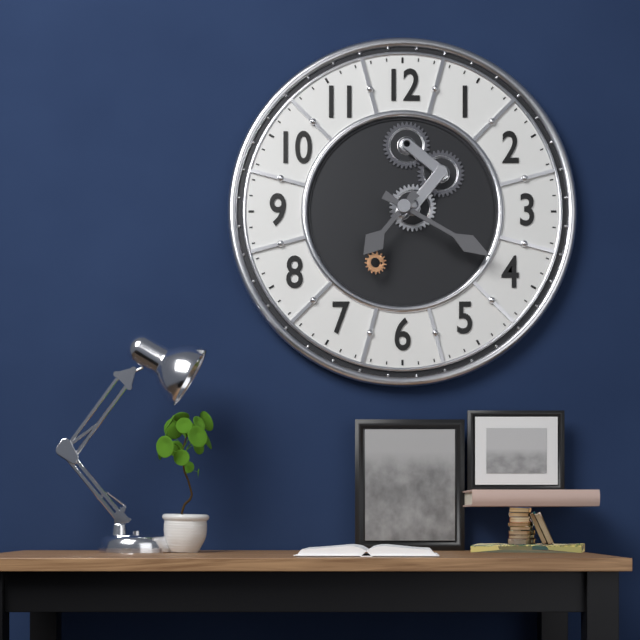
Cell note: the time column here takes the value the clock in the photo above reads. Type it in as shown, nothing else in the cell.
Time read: 7:20
